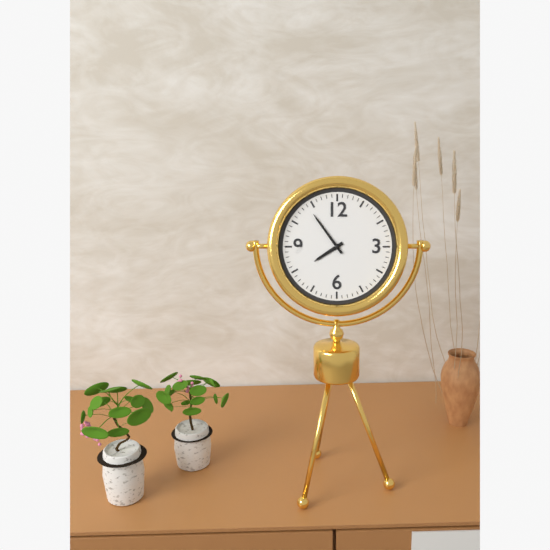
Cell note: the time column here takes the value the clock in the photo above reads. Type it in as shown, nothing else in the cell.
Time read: 7:54
